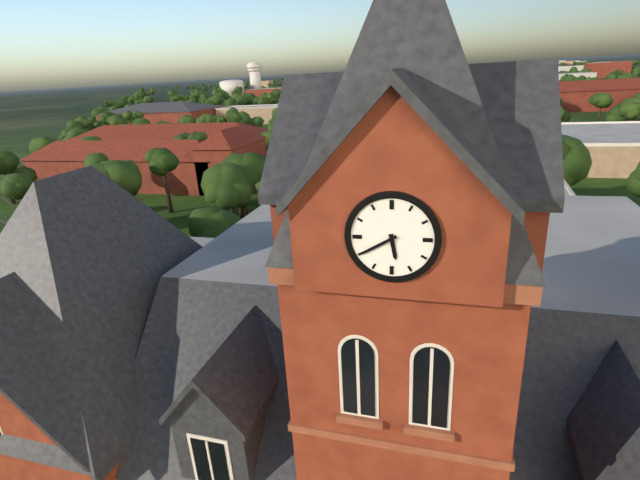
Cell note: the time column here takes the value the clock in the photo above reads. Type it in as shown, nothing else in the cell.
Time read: 5:40
